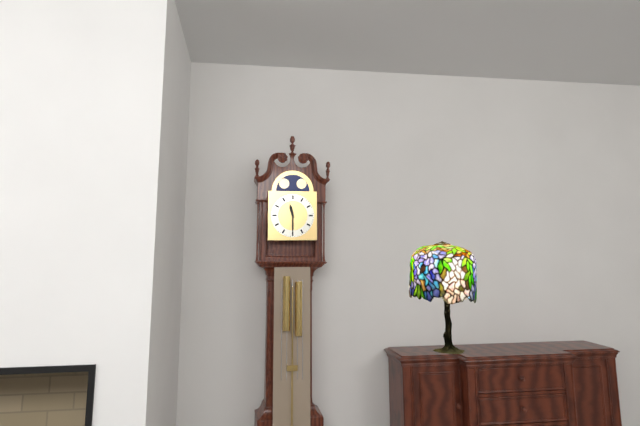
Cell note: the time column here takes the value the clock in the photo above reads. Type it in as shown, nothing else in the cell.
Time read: 11:30
